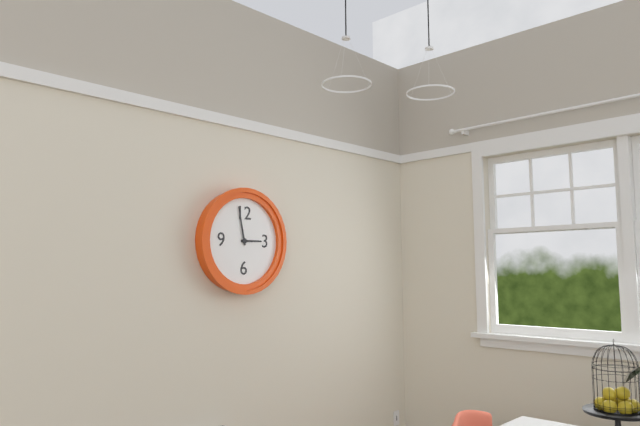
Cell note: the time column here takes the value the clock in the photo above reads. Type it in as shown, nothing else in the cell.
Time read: 2:58
